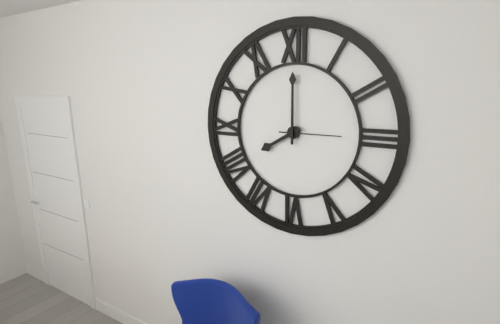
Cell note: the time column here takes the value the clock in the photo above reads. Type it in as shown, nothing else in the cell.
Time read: 8:00:15
